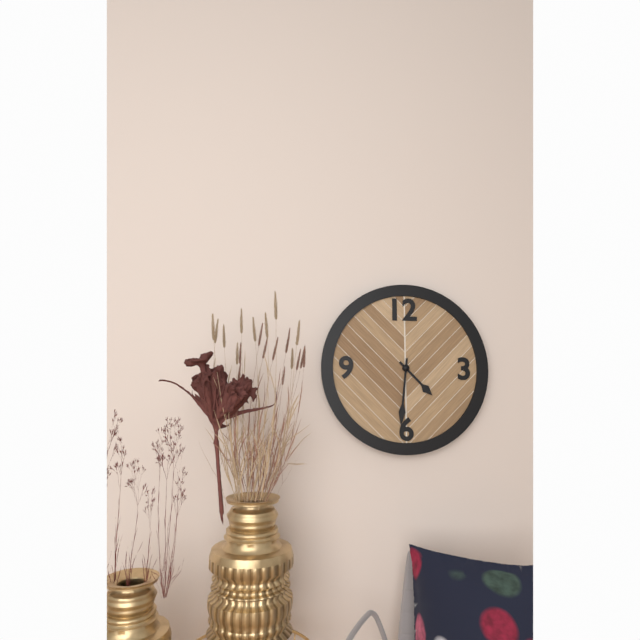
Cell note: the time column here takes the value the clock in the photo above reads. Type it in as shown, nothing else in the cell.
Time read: 4:31
